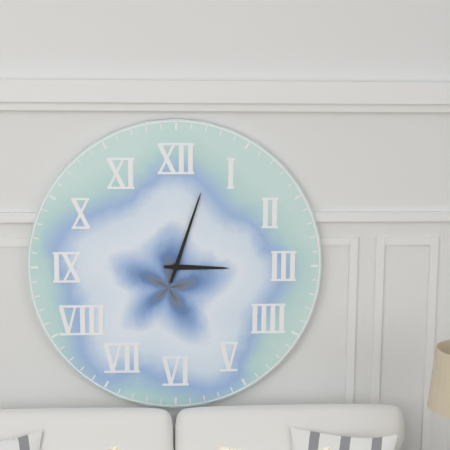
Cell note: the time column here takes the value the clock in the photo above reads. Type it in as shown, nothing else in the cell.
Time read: 3:03
